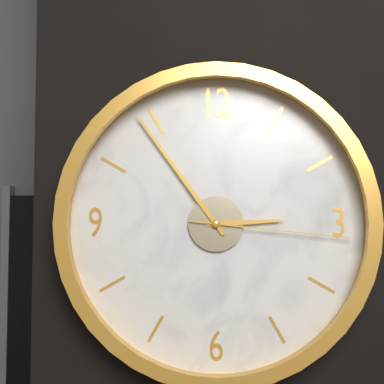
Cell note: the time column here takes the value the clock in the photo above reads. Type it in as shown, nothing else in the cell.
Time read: 2:54:16
